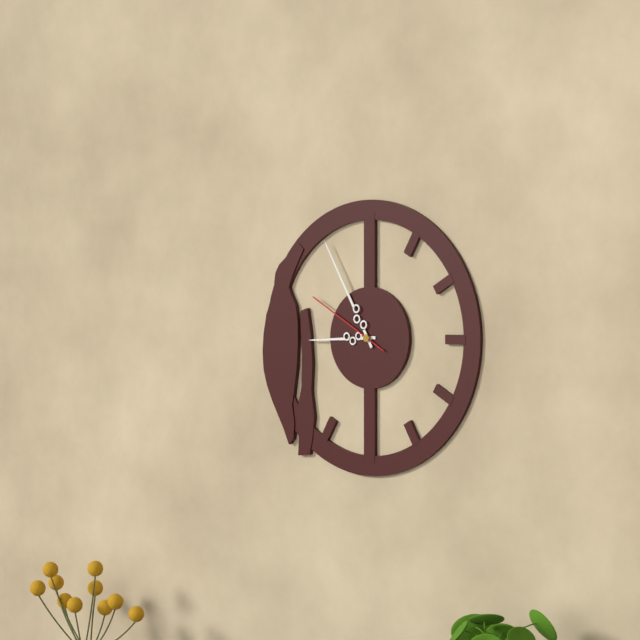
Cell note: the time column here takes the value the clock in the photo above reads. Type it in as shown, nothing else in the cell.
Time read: 8:55:50
